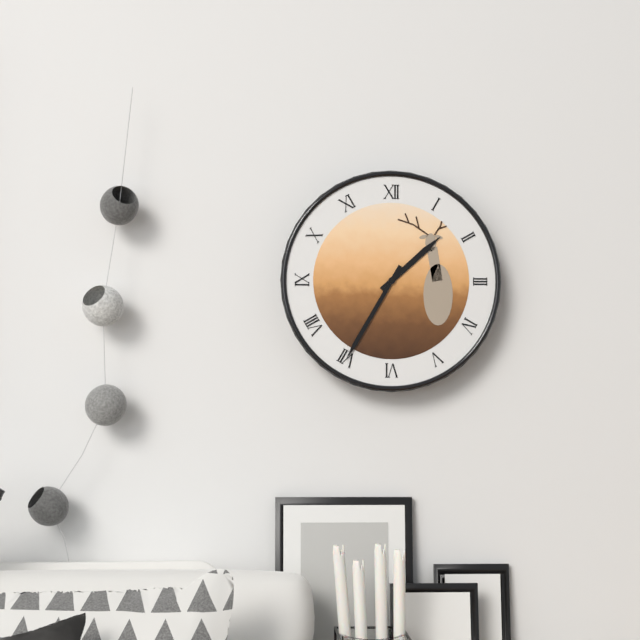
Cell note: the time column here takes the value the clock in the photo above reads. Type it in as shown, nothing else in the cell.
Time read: 1:35
